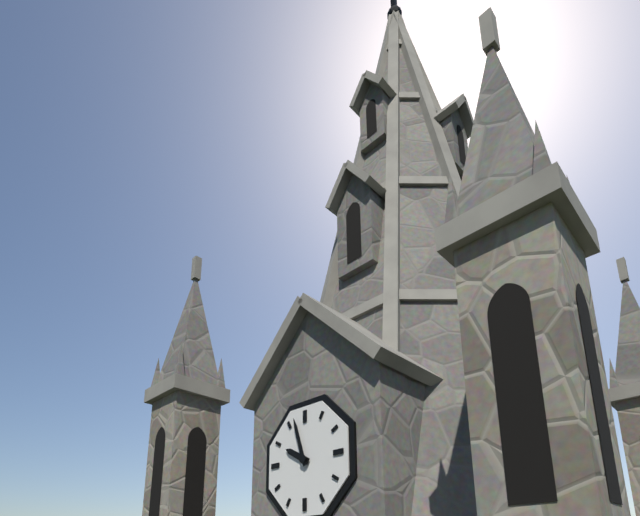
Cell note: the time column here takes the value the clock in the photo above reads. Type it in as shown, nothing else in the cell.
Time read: 9:57
